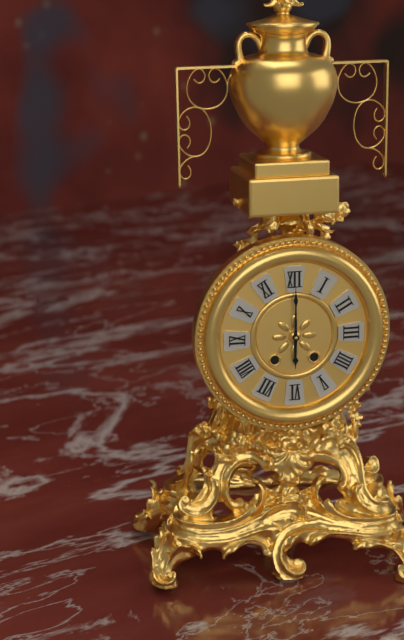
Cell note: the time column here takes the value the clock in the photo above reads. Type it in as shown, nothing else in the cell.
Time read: 6:00
